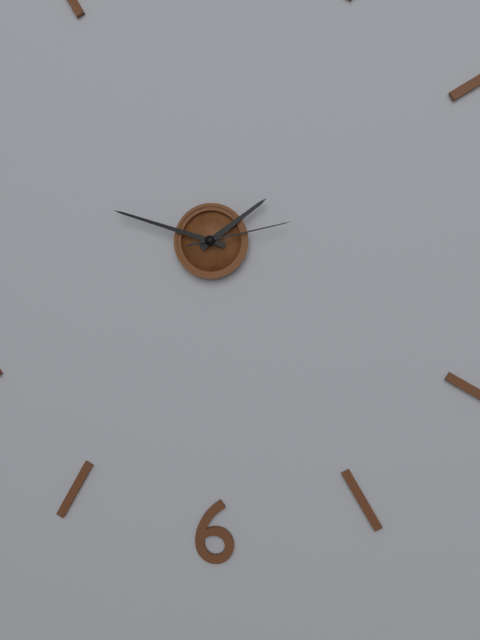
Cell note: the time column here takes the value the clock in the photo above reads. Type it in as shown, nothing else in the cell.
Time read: 1:48:13
